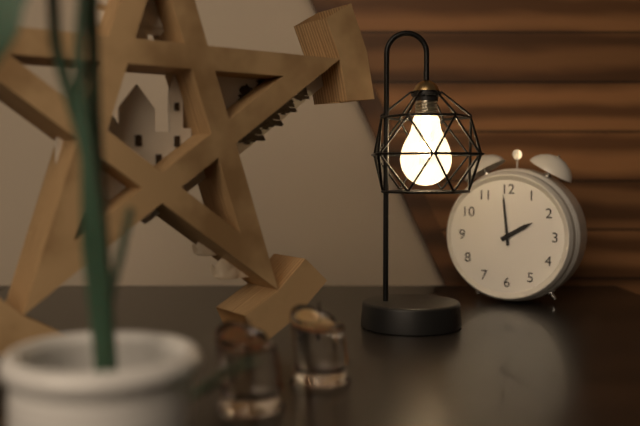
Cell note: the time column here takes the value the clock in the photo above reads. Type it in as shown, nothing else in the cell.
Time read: 1:59
